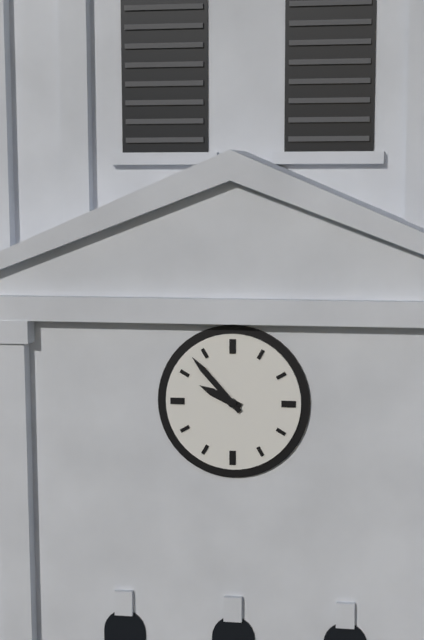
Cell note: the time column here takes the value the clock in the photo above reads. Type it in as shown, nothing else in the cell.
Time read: 9:53
